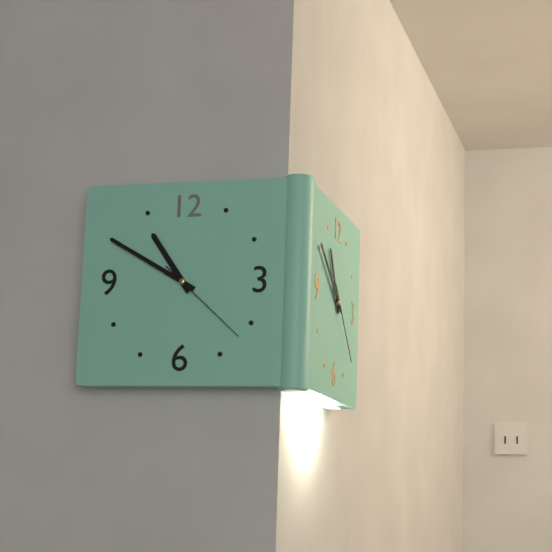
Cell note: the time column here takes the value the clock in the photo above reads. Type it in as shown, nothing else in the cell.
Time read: 10:50:22
